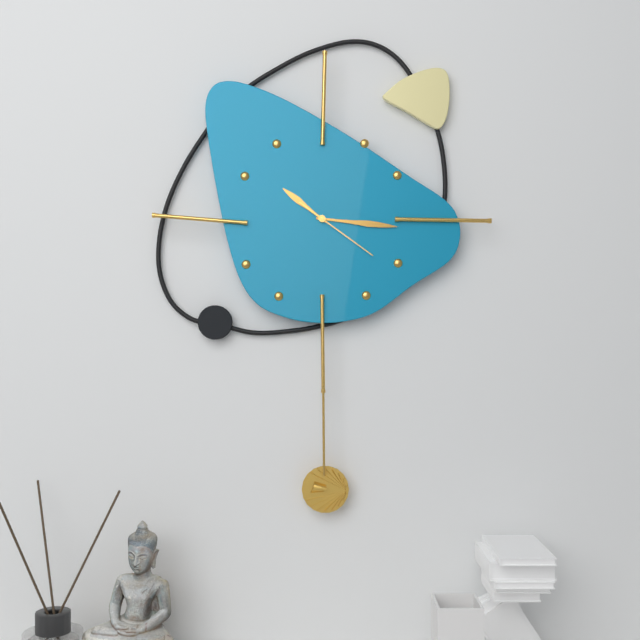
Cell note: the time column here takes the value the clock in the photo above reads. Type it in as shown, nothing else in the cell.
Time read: 10:16:21
